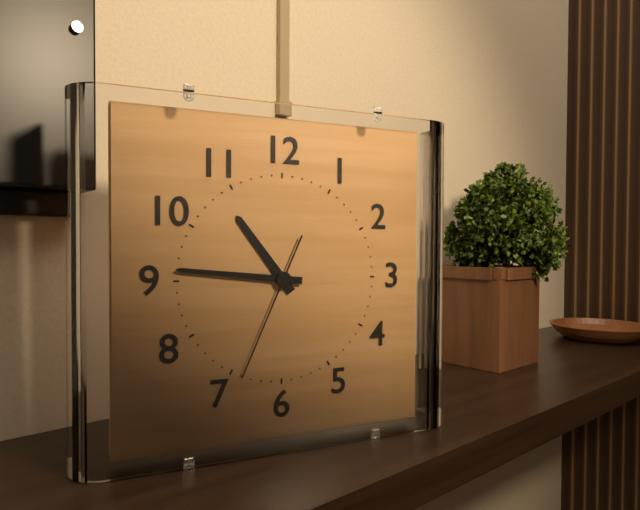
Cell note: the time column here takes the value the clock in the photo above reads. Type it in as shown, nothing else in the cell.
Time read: 10:46:34
